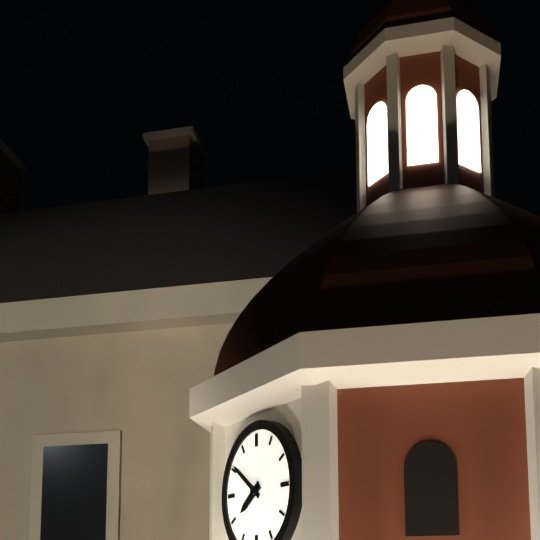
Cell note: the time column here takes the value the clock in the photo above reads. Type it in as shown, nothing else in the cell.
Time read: 7:51
